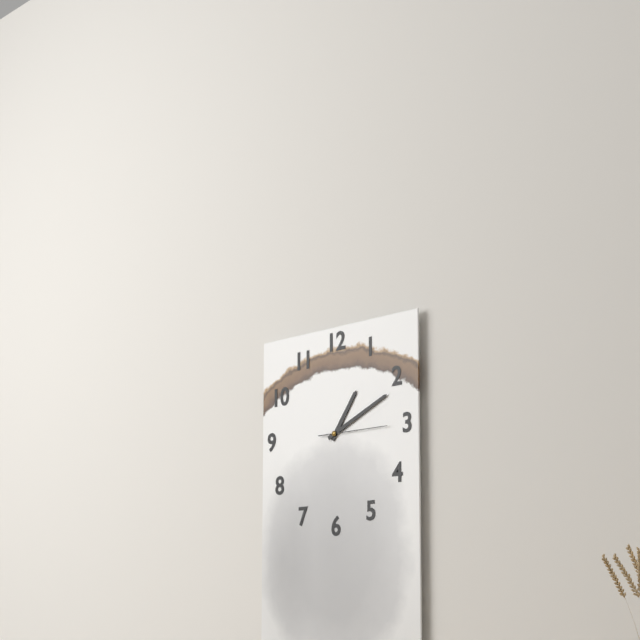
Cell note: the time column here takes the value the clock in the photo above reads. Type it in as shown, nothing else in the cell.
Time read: 1:11:15
